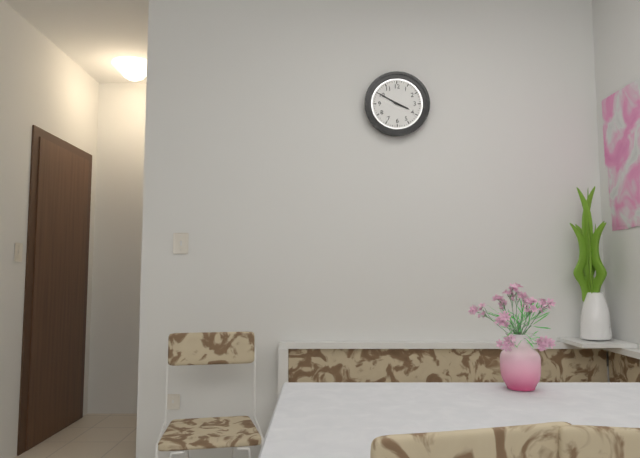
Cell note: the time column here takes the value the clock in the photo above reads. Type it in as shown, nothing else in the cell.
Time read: 3:50
